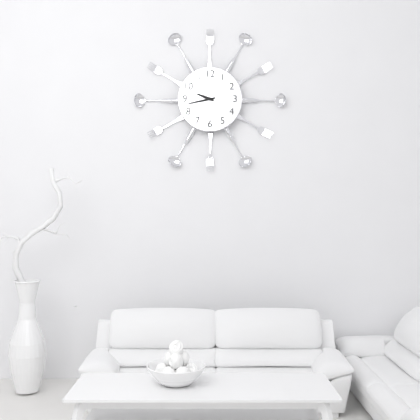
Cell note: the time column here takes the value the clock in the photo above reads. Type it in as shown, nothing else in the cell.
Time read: 9:43
